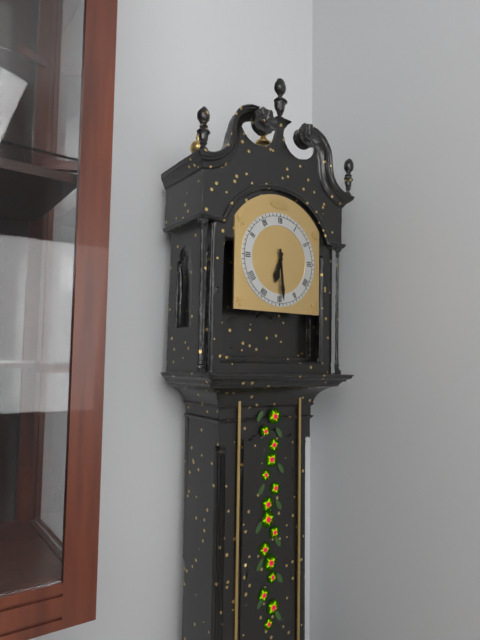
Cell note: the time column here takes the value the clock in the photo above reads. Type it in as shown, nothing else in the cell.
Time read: 6:29
